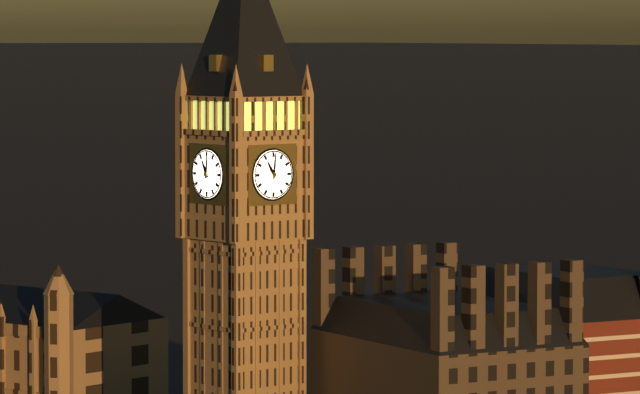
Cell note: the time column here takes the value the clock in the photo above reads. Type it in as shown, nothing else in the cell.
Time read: 11:01
